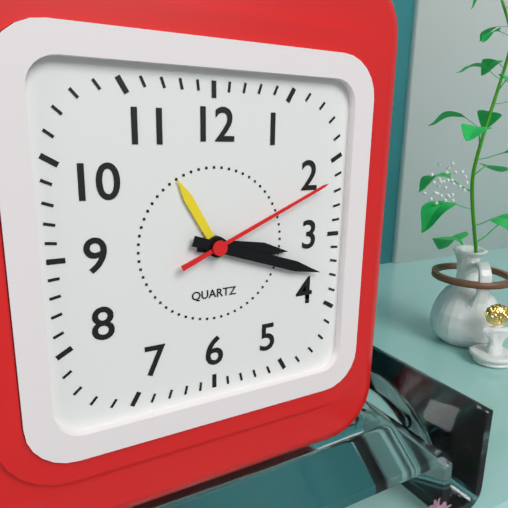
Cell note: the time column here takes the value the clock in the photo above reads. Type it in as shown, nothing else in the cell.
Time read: 3:18:11
